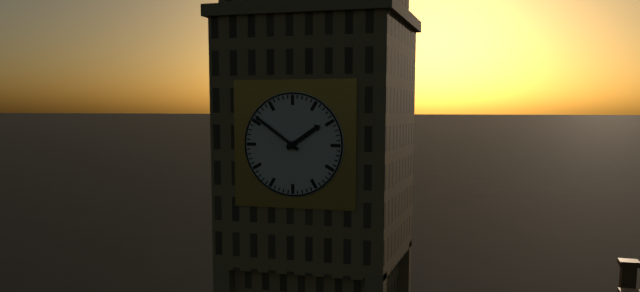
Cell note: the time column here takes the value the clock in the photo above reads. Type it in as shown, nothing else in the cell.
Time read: 1:51
